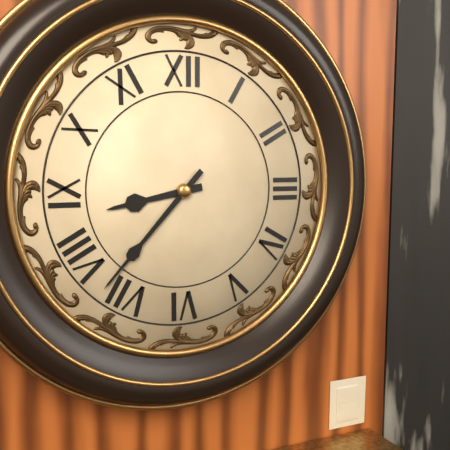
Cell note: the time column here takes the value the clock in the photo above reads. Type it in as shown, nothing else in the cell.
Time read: 8:37
